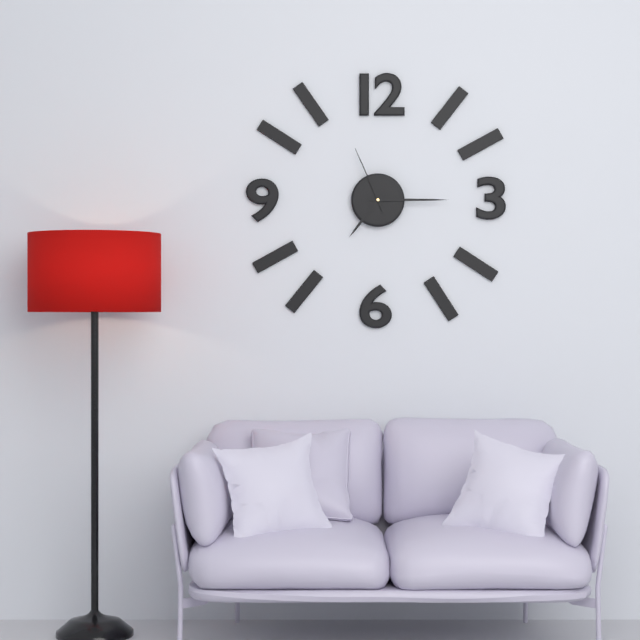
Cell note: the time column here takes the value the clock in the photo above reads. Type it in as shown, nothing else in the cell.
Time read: 7:15:56
